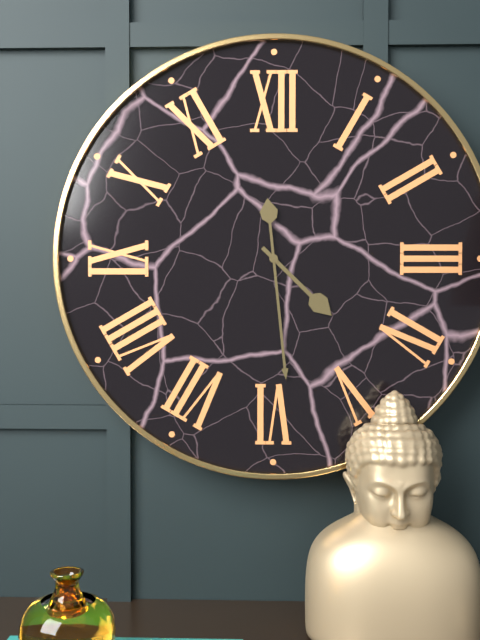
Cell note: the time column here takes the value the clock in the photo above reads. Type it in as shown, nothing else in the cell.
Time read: 4:29
